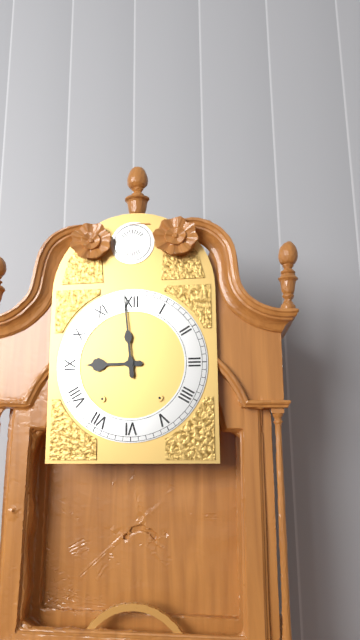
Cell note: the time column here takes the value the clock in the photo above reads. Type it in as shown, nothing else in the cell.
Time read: 8:59
